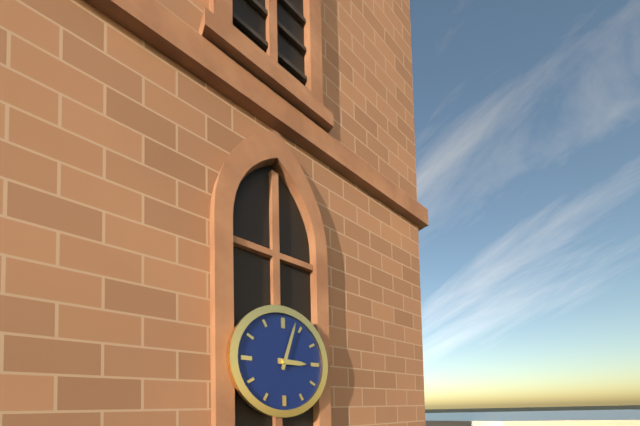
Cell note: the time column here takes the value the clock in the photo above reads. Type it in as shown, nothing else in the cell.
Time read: 3:03
